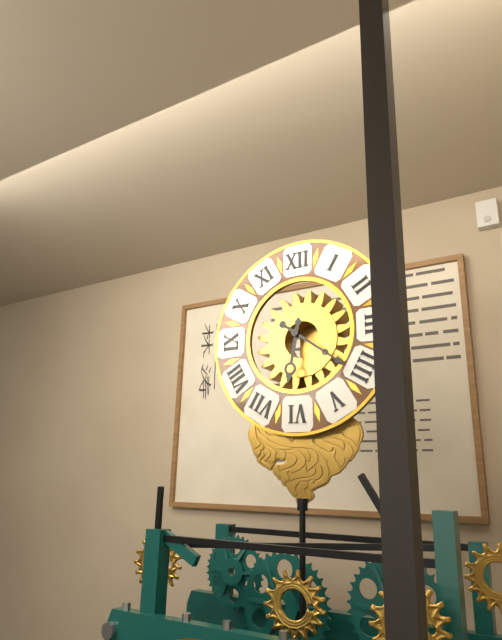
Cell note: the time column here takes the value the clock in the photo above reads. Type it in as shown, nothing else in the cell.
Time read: 6:21
